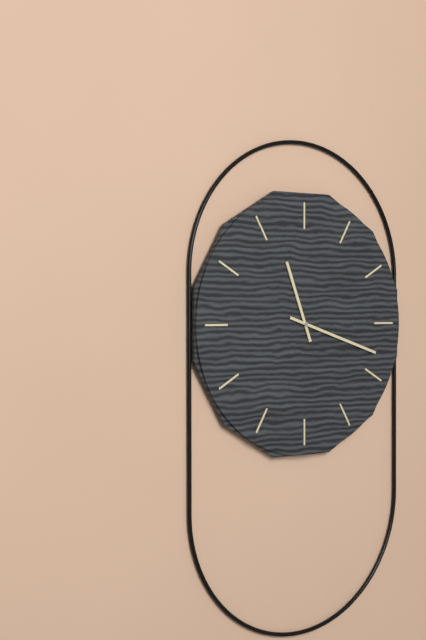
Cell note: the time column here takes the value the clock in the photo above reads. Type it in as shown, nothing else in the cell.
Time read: 11:18
